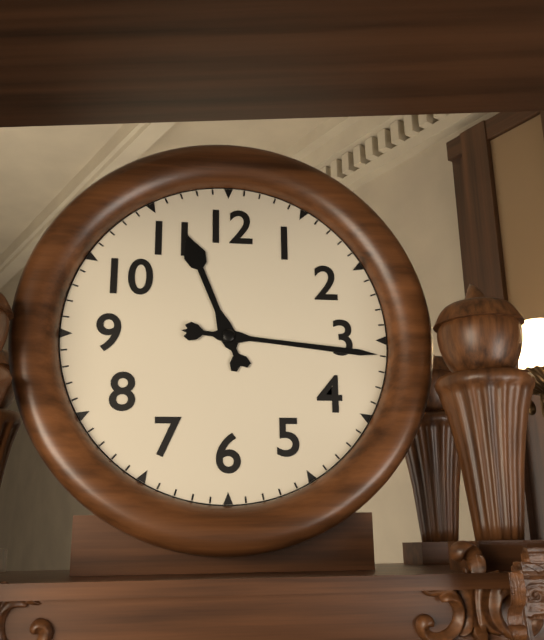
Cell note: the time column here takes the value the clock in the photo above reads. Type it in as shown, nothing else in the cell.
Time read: 11:16
